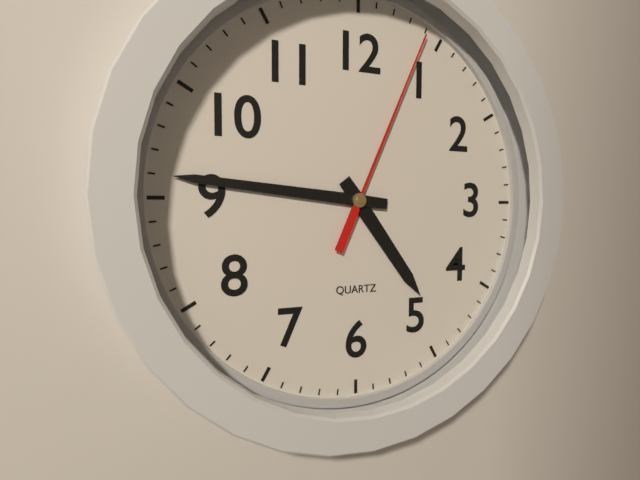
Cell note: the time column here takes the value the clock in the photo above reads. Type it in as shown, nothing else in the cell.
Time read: 4:46:04
